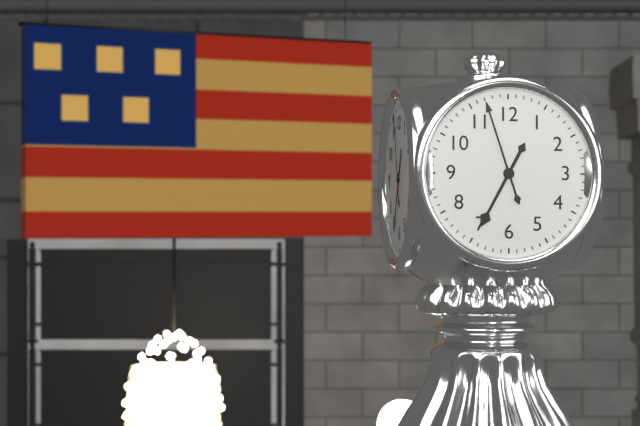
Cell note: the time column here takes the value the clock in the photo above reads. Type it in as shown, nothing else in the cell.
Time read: 6:57
